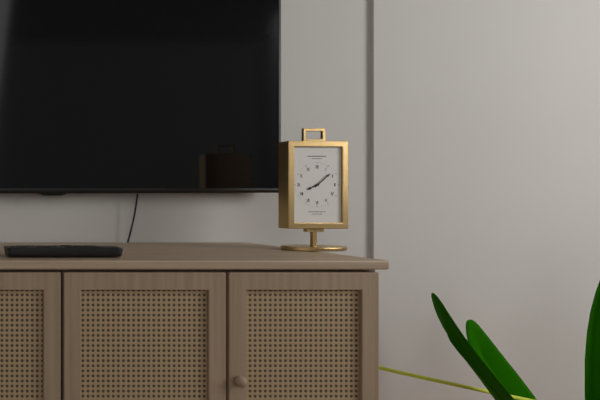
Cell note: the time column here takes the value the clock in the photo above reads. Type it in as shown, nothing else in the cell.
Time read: 8:08
